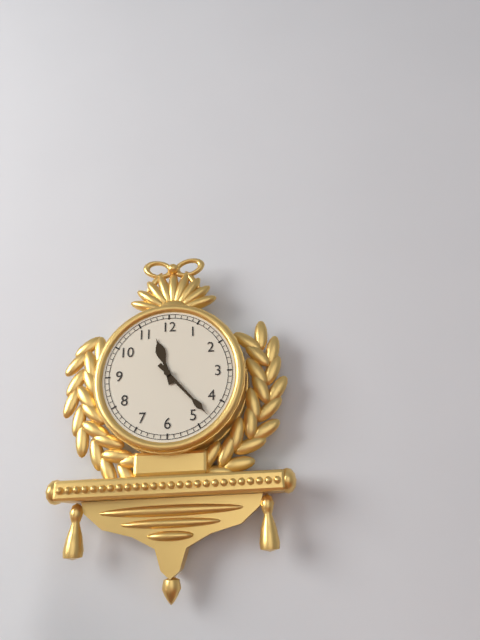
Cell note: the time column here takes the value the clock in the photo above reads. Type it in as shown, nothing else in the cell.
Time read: 11:23
